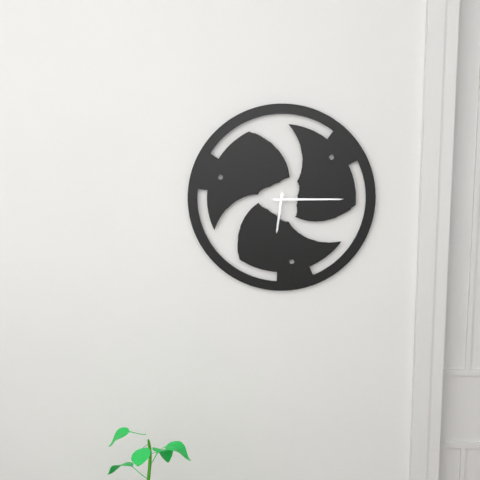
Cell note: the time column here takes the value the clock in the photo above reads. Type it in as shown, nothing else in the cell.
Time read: 6:15
